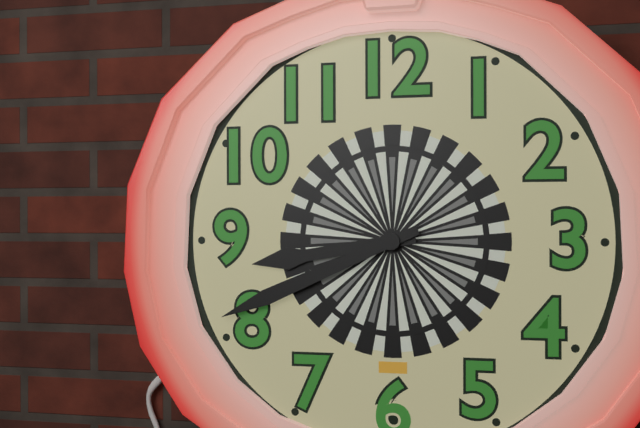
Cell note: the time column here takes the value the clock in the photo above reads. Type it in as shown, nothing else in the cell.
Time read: 8:41
